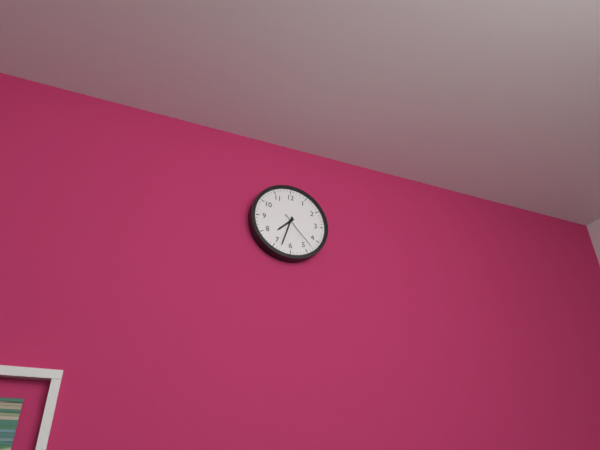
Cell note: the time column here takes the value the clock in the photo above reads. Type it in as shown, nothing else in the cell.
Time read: 7:33
